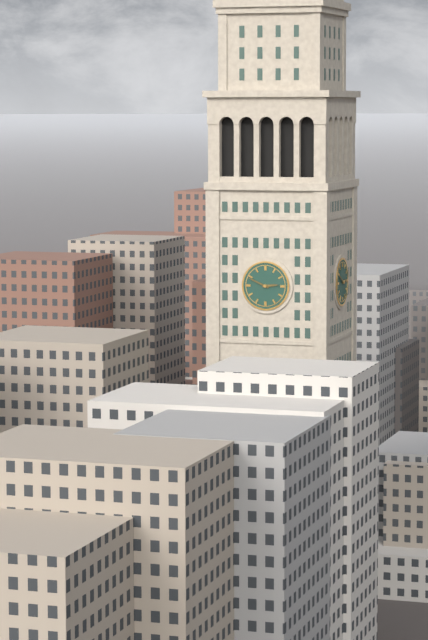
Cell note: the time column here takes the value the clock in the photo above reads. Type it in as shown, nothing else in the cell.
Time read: 2:49
